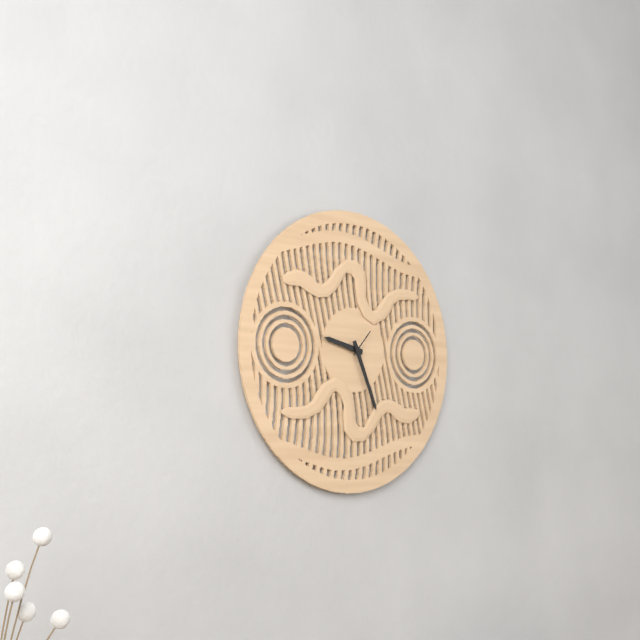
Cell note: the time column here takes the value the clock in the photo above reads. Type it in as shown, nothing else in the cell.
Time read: 9:26
